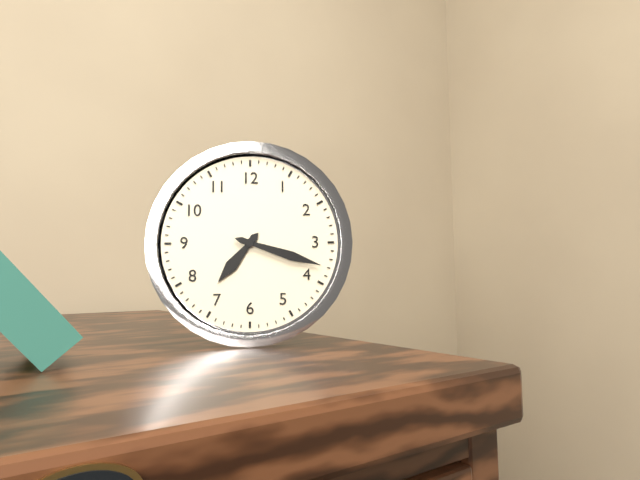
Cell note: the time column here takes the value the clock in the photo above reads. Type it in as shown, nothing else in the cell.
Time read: 7:18
